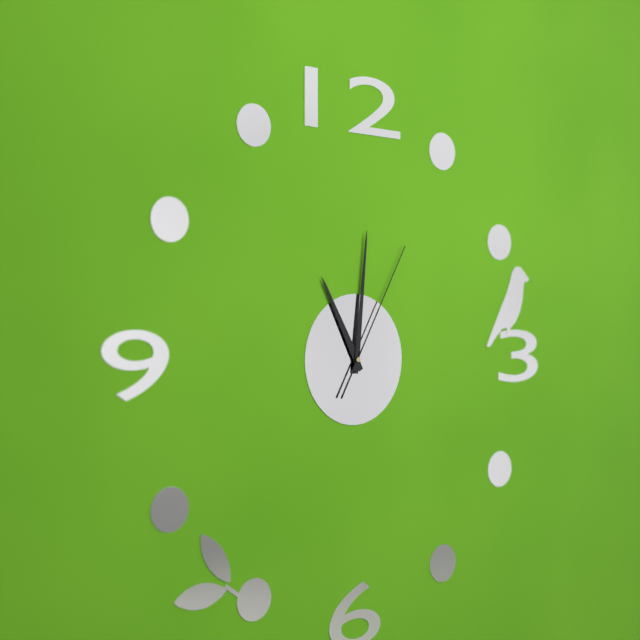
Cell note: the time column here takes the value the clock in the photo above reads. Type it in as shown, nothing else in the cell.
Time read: 11:01:05
